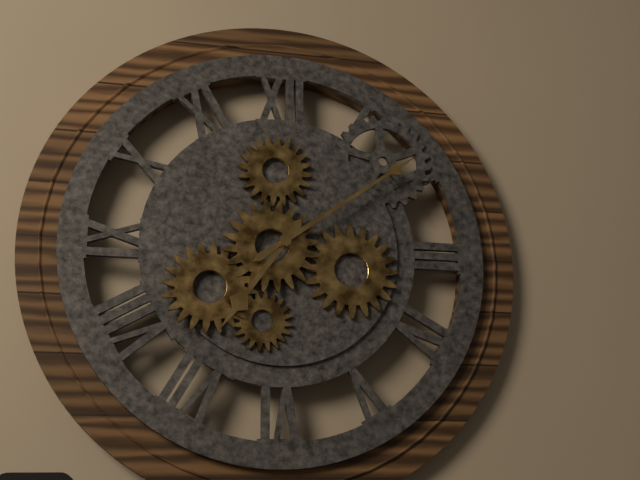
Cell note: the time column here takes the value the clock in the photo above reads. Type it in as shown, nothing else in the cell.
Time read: 7:09
